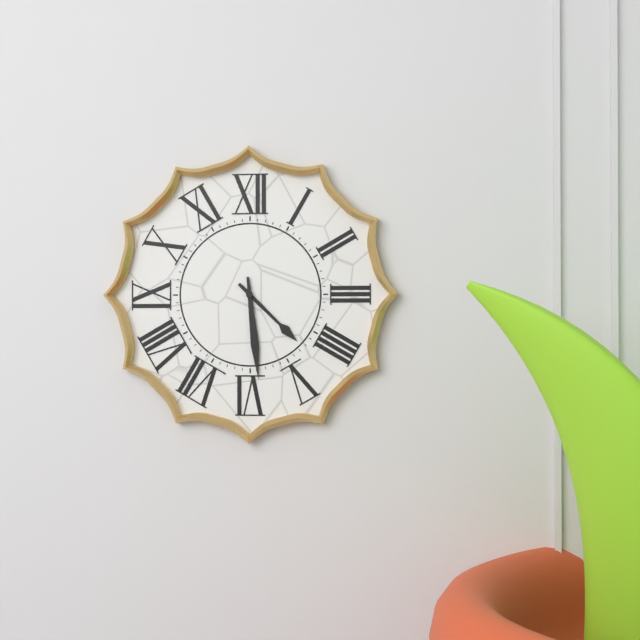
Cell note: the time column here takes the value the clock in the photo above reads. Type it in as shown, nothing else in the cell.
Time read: 4:29
